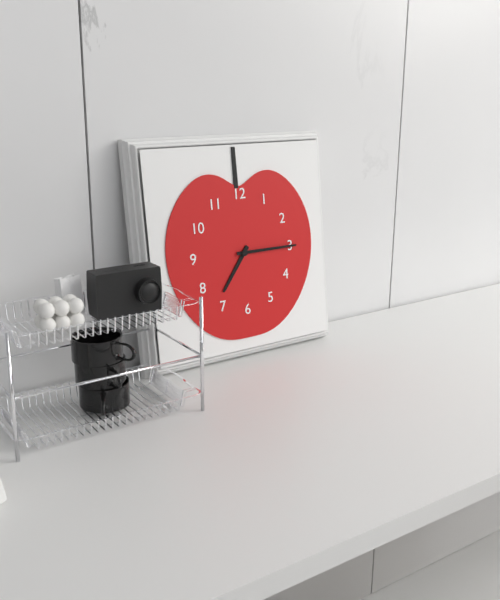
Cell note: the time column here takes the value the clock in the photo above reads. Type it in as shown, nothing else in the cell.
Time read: 7:15
